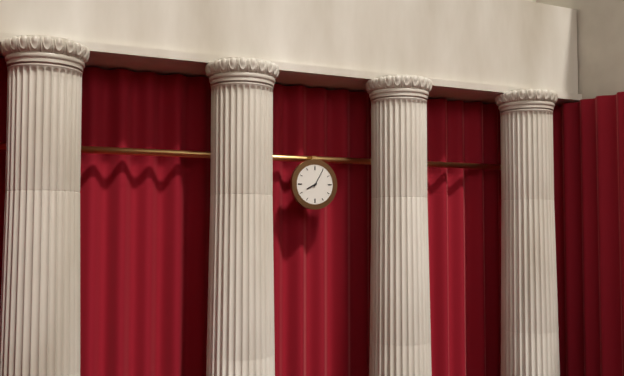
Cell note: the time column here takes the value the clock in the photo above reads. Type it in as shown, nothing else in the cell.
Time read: 8:05
